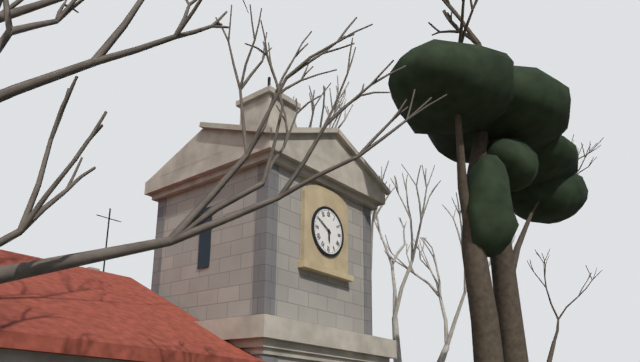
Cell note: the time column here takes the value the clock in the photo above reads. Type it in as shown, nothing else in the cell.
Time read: 5:50
